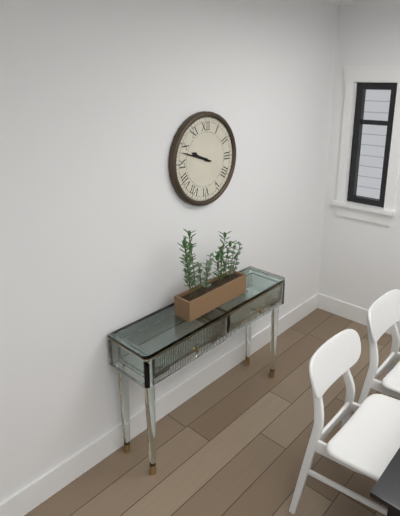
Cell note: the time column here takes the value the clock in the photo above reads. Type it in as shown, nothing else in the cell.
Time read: 9:48
